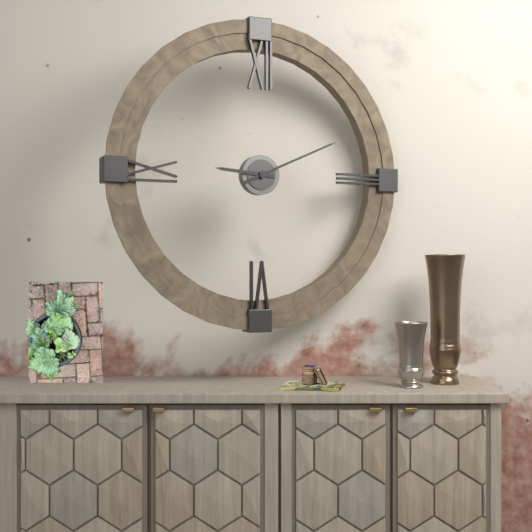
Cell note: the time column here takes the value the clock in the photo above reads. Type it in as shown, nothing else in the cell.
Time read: 9:11
